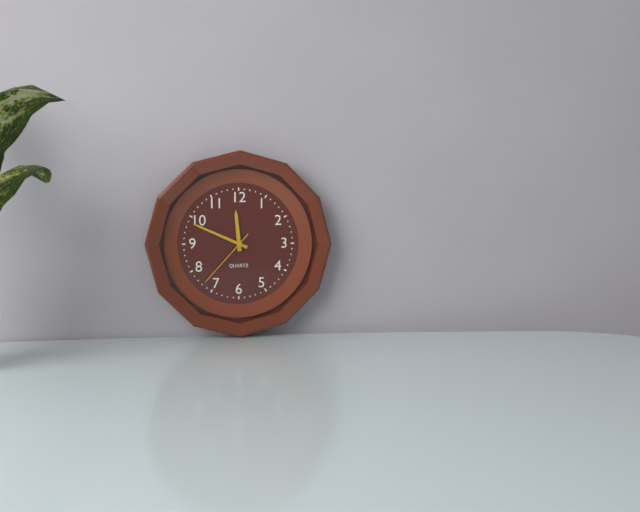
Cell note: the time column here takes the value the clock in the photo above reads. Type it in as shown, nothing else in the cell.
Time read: 11:49:37
